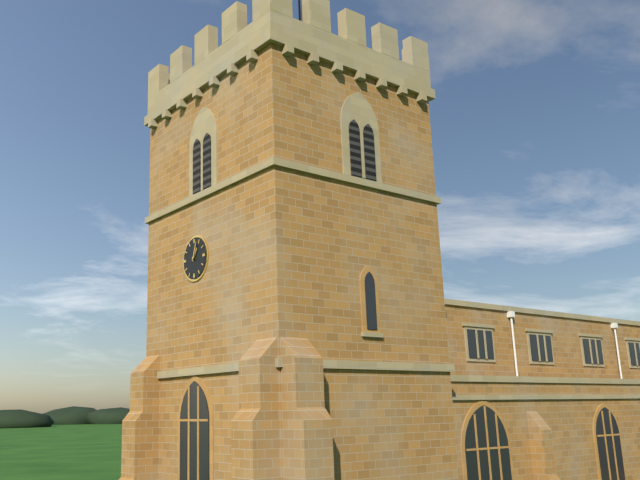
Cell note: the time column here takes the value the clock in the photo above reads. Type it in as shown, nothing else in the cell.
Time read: 1:03
